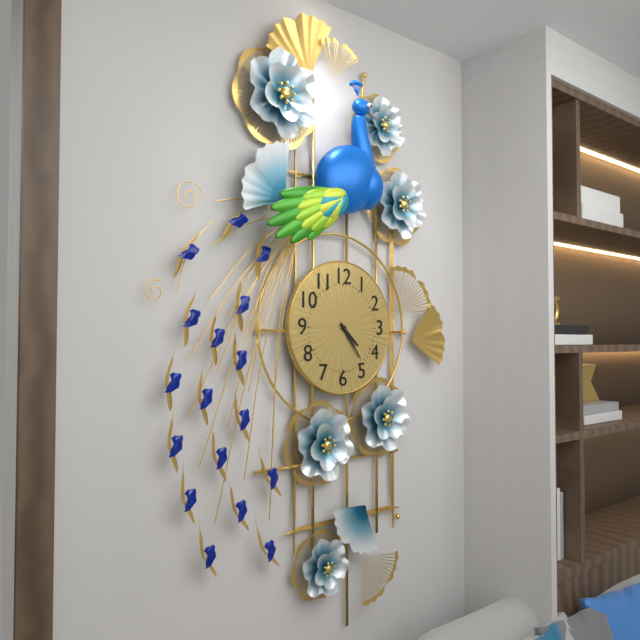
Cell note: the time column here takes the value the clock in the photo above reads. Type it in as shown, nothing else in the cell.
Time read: 4:24
